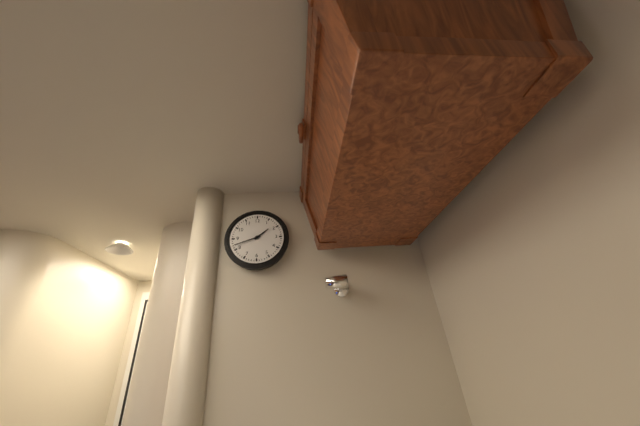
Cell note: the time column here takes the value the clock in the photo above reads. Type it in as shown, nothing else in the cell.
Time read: 1:42
